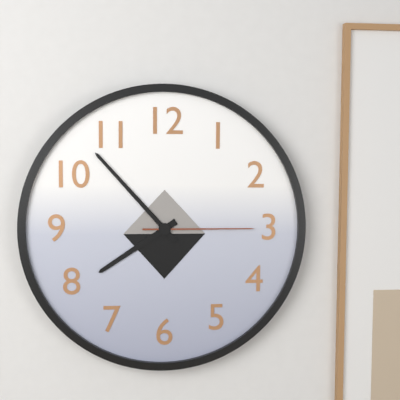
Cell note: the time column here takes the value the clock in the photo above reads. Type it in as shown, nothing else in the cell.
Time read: 7:53:15
